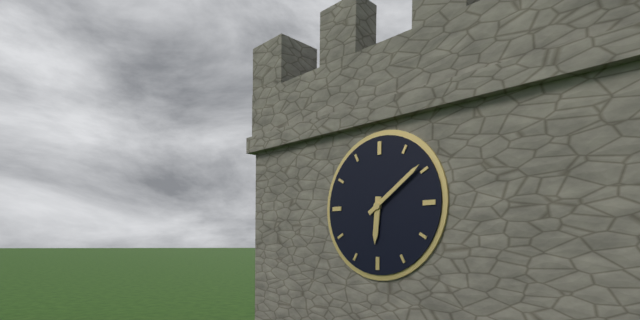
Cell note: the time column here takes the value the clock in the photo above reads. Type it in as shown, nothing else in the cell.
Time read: 6:09
